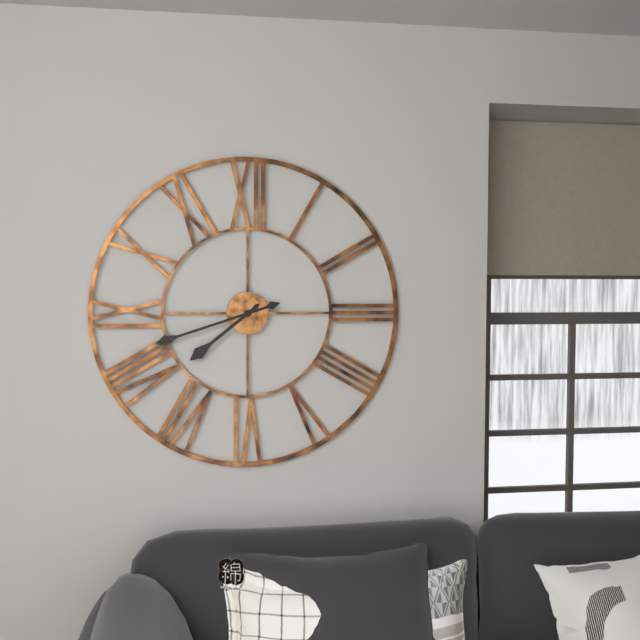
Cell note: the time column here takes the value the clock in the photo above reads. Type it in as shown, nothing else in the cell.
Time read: 7:42
